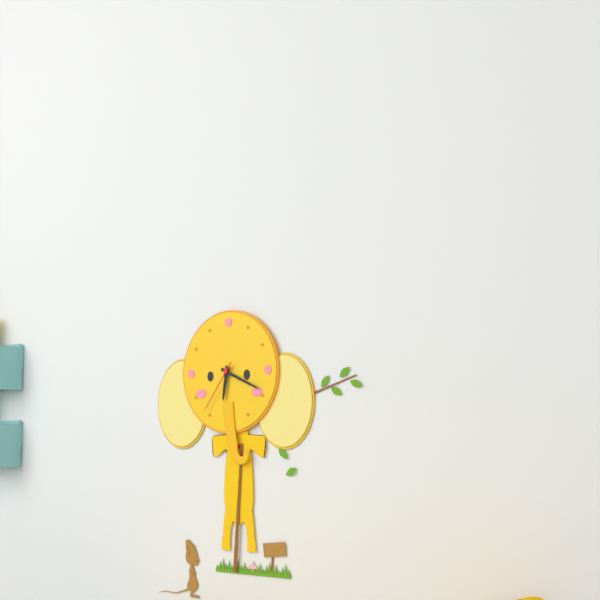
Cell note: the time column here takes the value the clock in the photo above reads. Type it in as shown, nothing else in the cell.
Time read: 6:19:36
